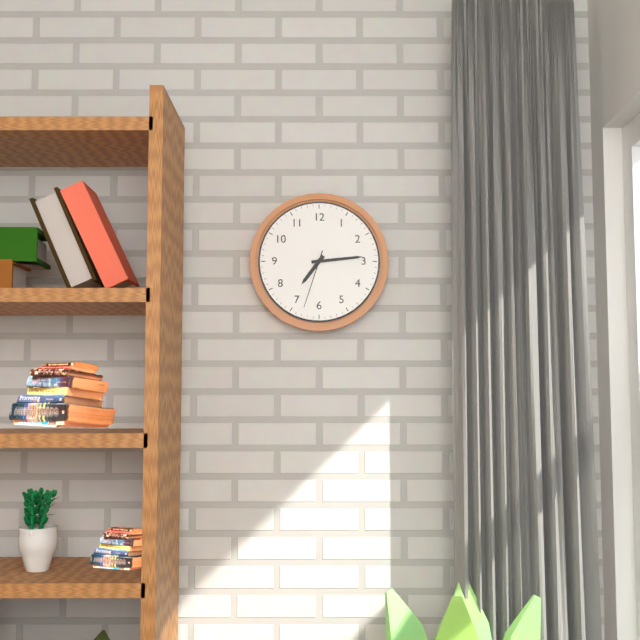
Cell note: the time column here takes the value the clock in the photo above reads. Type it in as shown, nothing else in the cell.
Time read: 7:14:33
